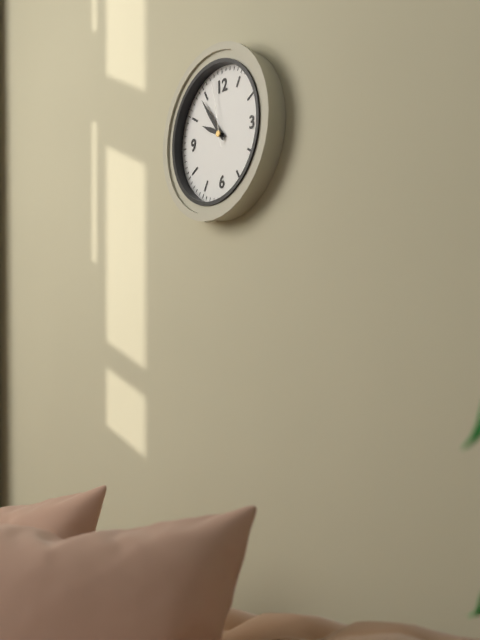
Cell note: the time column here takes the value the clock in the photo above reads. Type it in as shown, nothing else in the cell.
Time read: 9:54:58
